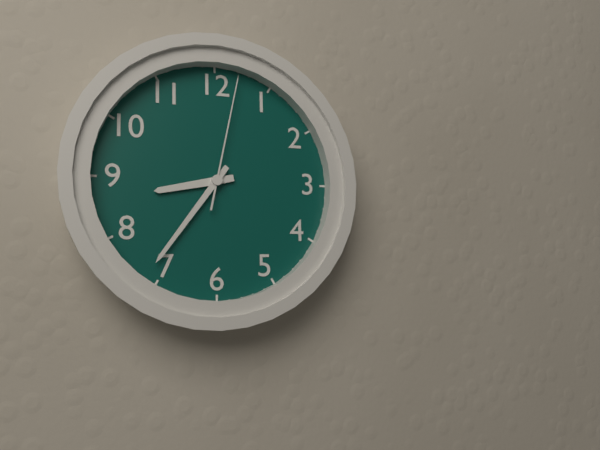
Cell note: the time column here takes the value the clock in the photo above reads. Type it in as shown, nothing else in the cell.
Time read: 8:36:02
